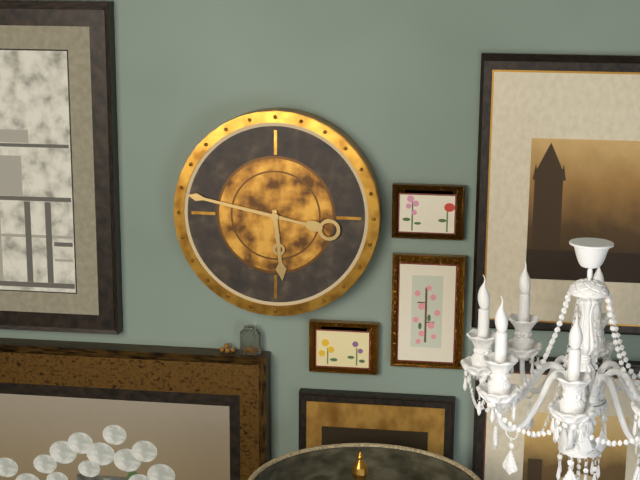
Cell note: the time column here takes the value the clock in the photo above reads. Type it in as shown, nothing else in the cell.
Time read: 5:47
